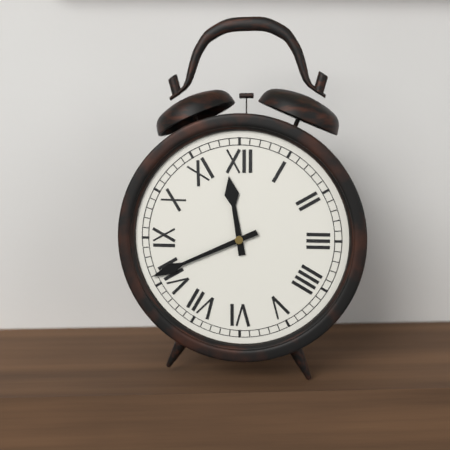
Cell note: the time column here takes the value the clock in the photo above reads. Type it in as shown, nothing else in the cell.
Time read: 11:41
